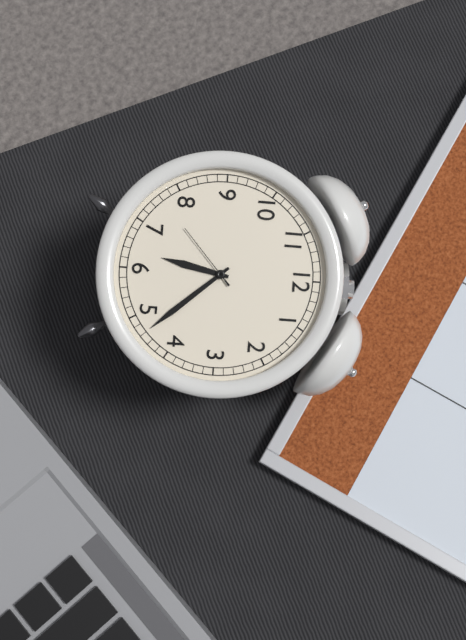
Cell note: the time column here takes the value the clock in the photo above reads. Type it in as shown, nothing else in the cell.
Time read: 6:23:38
